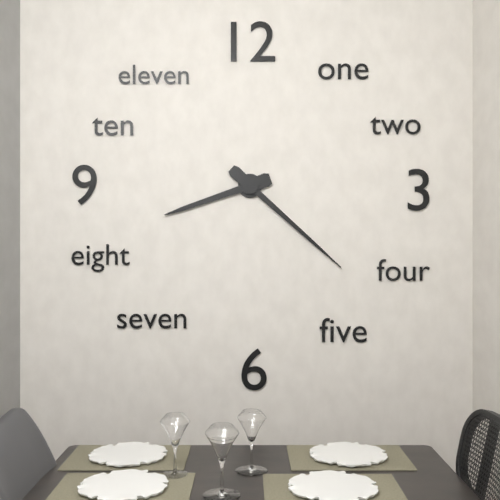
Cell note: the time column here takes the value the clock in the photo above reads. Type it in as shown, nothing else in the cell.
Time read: 8:22
